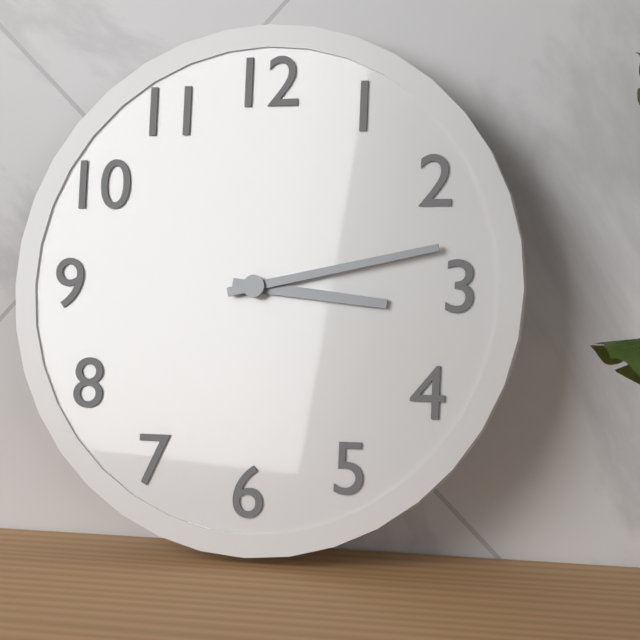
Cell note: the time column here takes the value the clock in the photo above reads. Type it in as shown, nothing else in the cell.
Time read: 3:13
